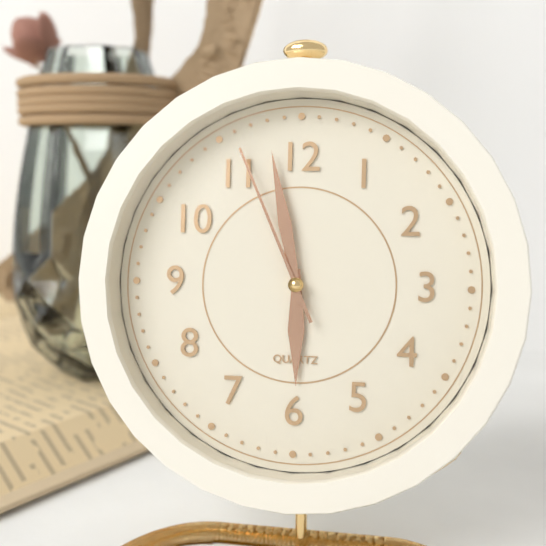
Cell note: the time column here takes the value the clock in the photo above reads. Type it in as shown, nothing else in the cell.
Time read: 5:58:56
